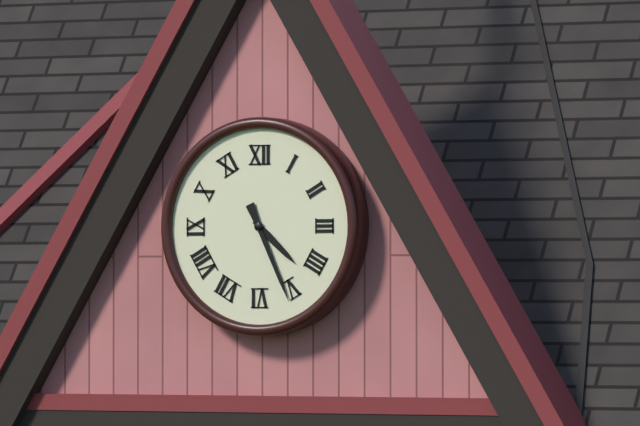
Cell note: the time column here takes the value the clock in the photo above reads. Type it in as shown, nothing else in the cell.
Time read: 4:26
